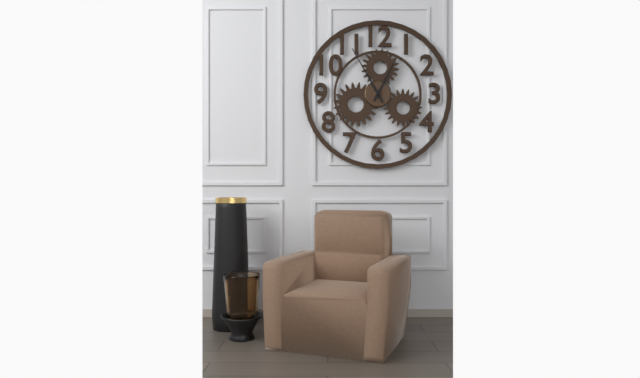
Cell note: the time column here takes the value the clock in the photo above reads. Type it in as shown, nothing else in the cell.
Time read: 12:55
